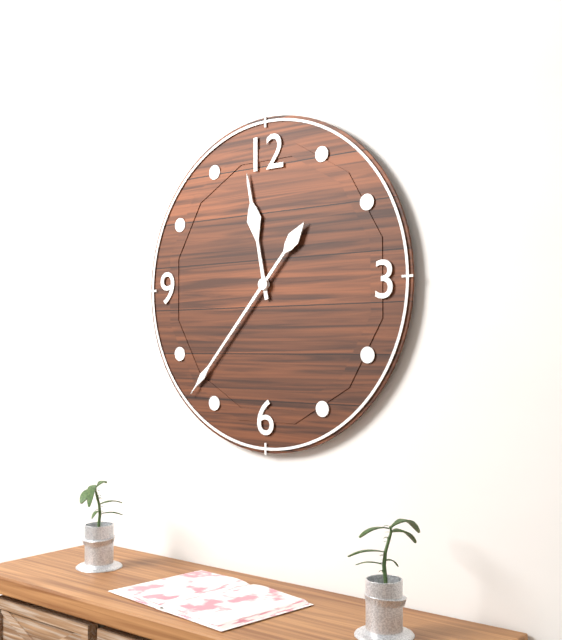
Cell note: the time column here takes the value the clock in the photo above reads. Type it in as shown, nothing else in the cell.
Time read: 11:37
